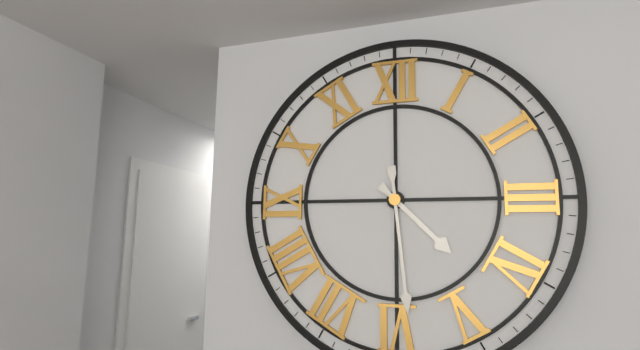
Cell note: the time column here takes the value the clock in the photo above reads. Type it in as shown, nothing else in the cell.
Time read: 4:29
